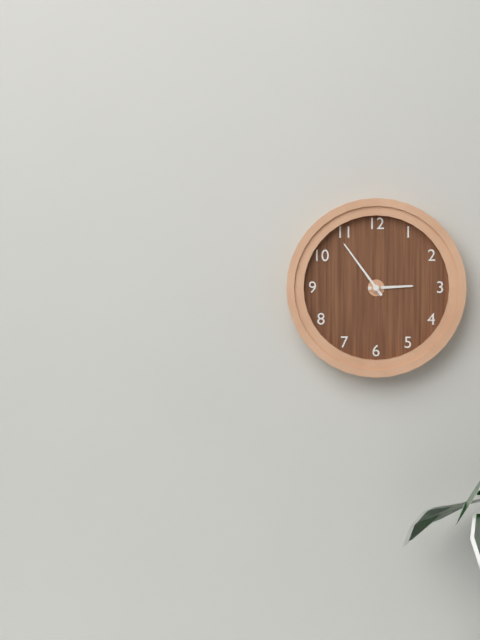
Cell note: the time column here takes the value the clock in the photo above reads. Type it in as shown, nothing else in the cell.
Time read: 2:54
